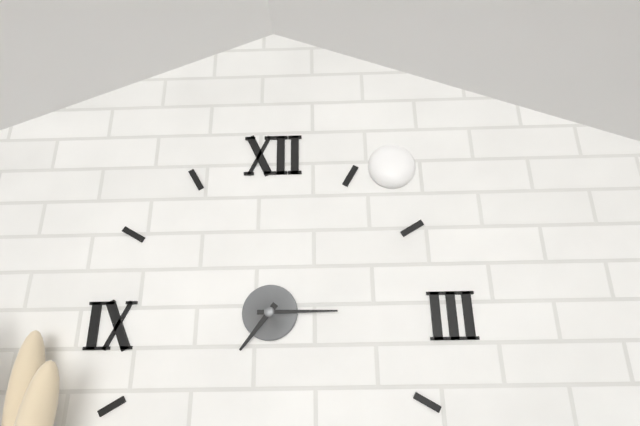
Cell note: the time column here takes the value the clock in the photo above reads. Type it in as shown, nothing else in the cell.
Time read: 7:15
